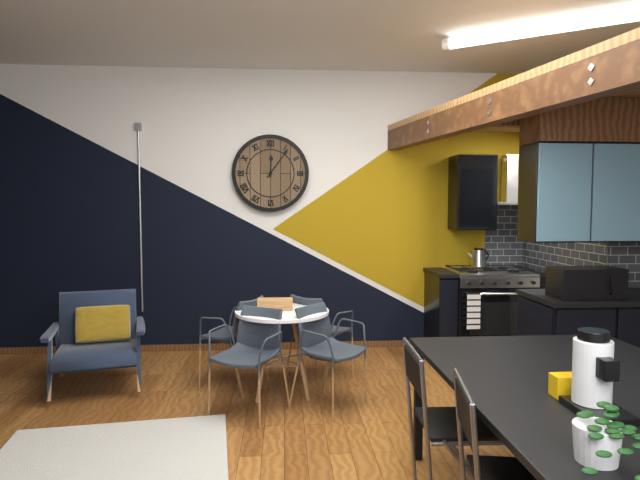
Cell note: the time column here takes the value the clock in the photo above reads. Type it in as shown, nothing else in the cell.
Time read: 12:06
